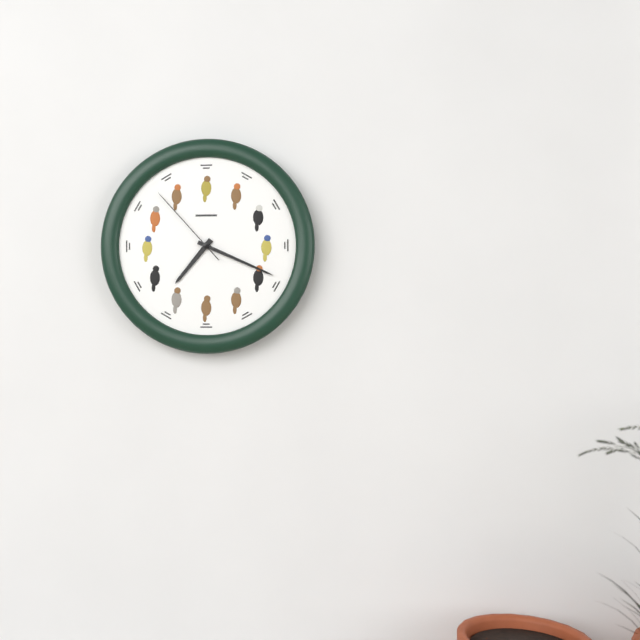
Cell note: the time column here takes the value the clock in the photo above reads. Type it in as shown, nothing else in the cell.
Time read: 7:19:53
